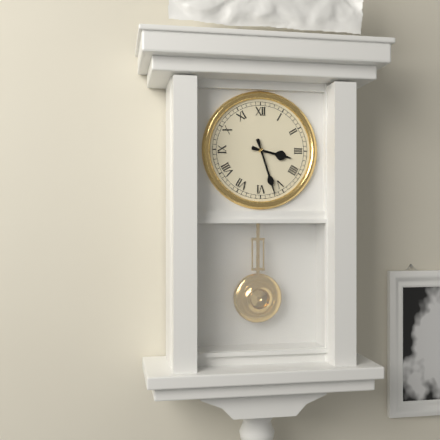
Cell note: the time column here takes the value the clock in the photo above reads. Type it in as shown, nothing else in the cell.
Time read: 3:27
